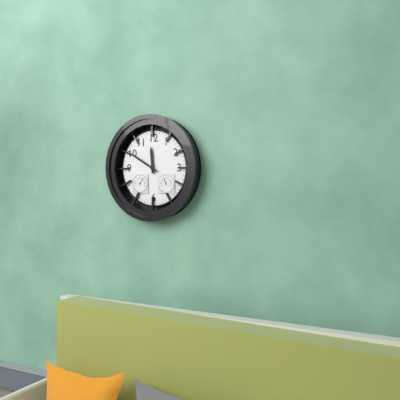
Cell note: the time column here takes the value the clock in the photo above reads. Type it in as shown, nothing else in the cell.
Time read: 11:50
